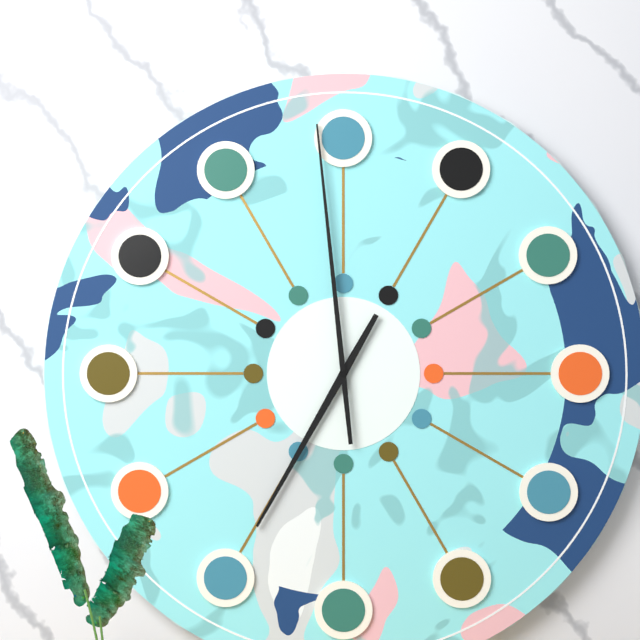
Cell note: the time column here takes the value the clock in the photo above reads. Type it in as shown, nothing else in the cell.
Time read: 6:59
